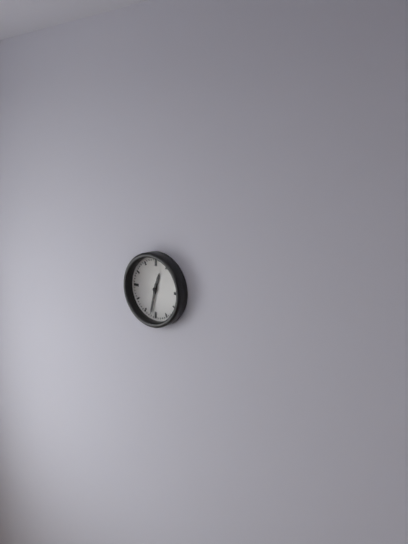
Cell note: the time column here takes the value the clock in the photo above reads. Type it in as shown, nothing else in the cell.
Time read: 12:32
